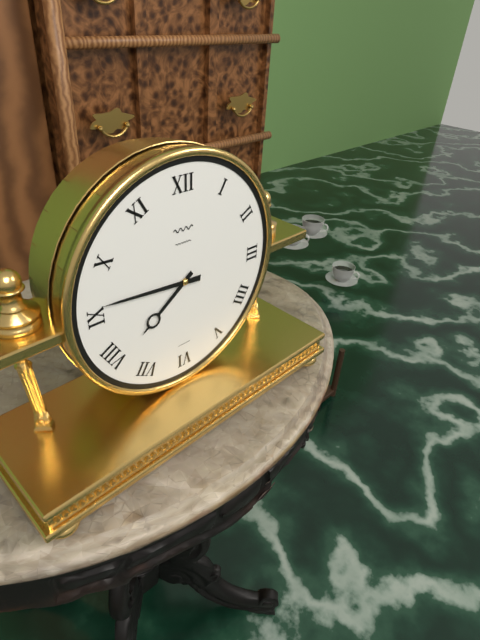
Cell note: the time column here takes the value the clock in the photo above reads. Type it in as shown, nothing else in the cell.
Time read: 7:46
